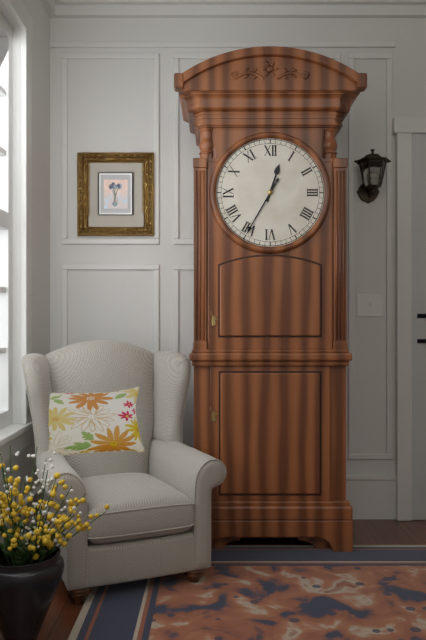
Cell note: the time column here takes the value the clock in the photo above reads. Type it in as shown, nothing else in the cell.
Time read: 12:35
